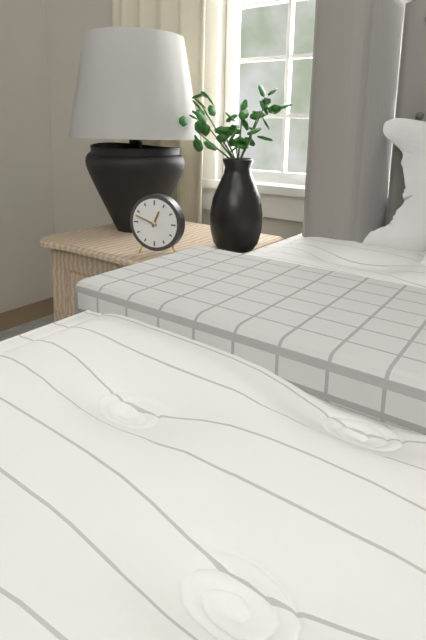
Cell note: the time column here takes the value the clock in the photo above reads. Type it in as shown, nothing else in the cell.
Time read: 12:48
